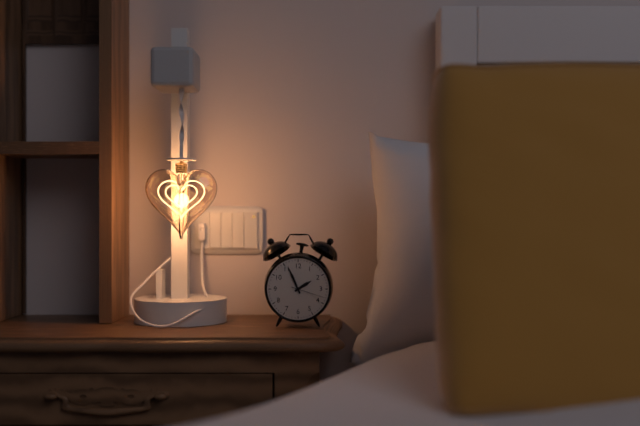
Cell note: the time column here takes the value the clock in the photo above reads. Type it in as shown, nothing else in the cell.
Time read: 1:56
